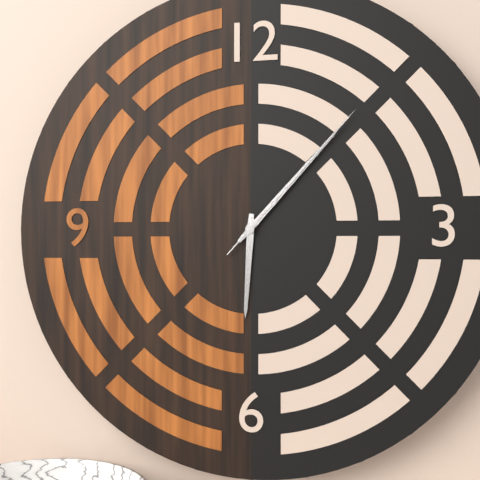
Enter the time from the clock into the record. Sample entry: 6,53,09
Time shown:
6,07,07
